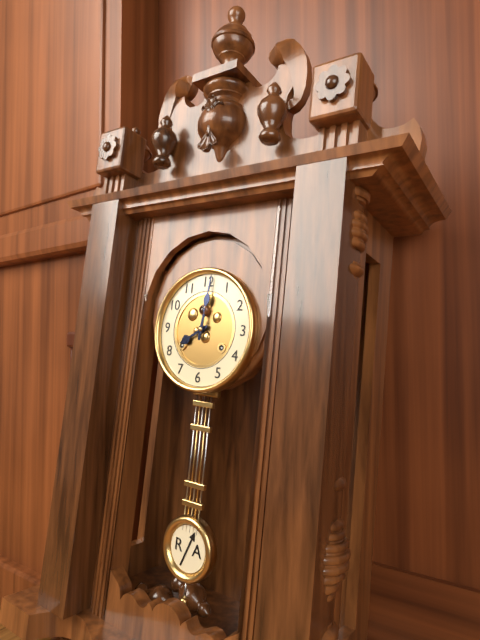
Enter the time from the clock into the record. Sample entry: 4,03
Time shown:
8,01
